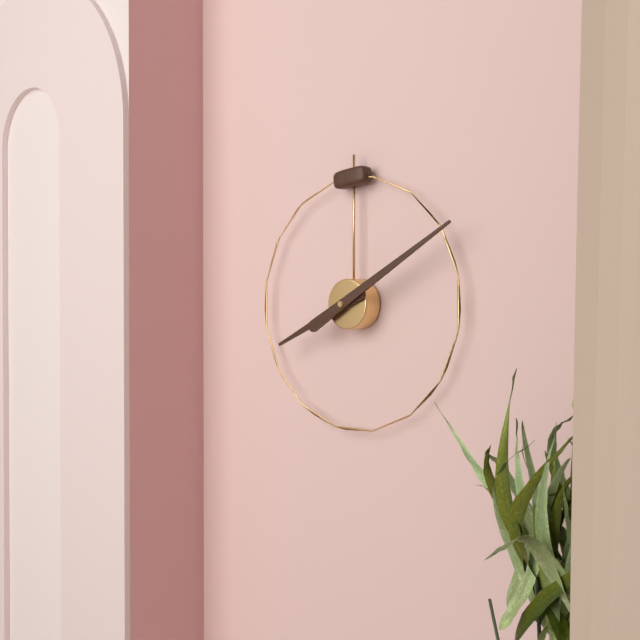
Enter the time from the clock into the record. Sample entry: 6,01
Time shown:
8,10
